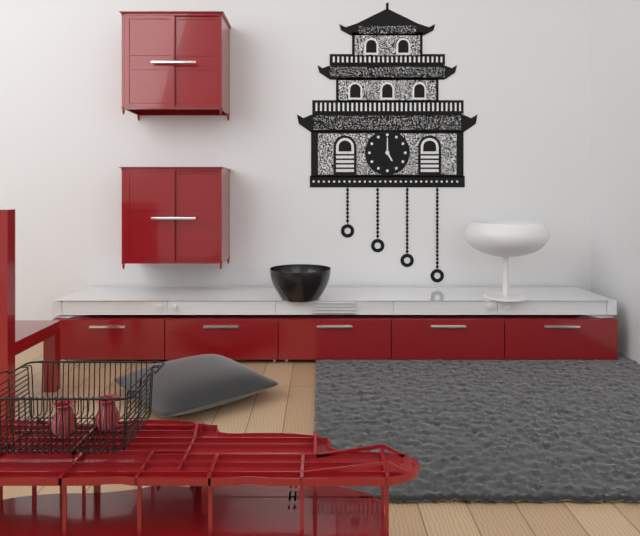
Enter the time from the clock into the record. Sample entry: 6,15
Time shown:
5,00
